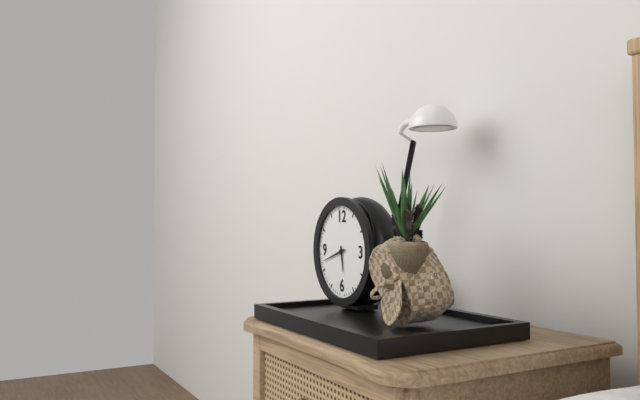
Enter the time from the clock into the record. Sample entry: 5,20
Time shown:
5,42
